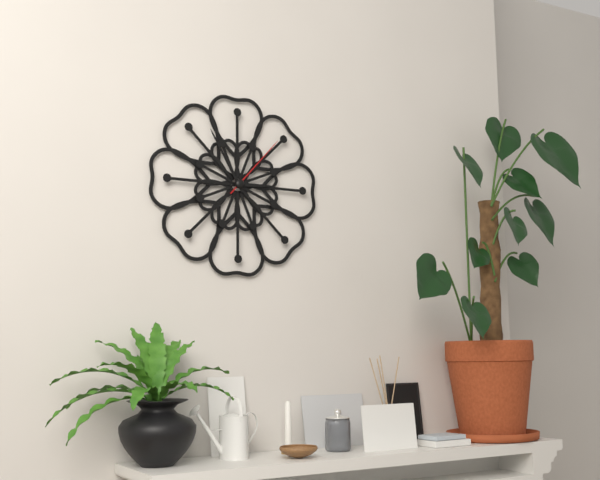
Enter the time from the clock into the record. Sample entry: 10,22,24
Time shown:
2,55,07
